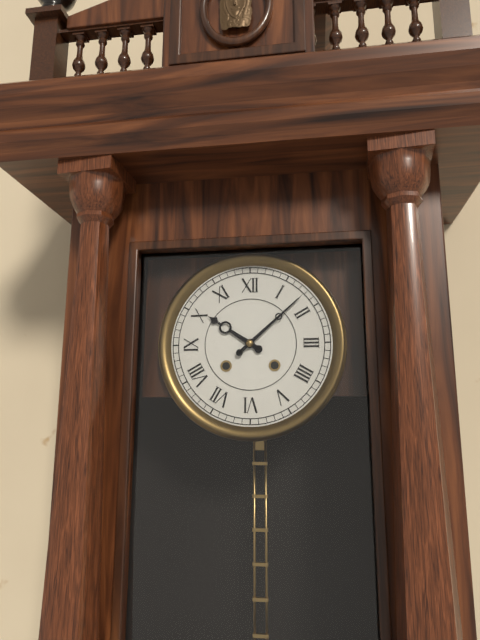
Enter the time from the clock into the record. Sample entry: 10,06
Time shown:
10,08
